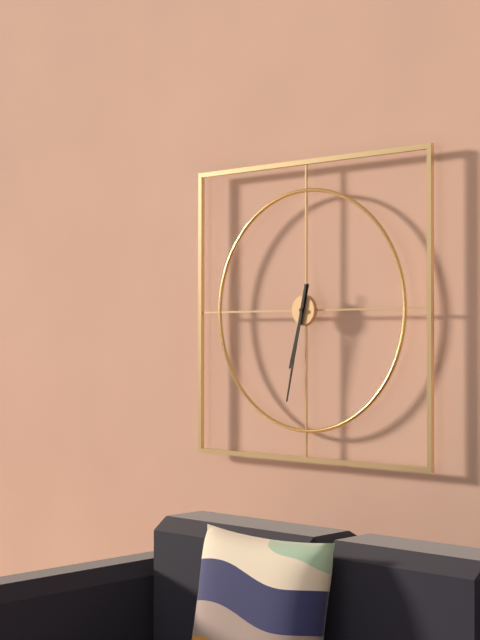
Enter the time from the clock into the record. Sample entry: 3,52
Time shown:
6,32
